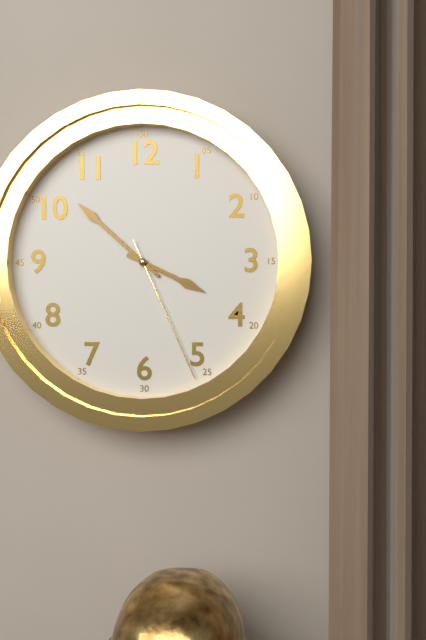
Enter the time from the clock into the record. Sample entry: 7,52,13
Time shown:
3,52,26
